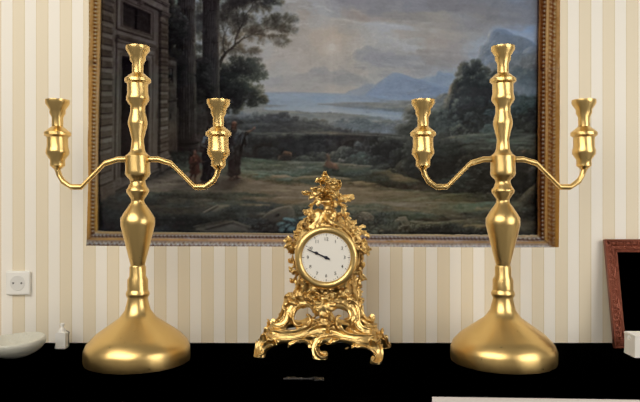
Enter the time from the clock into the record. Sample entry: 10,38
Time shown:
9,49
